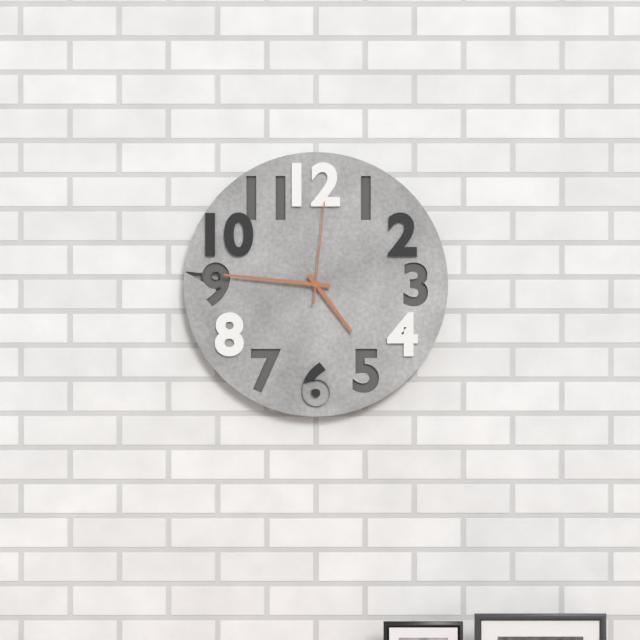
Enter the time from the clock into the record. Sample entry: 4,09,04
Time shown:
4,46,01
